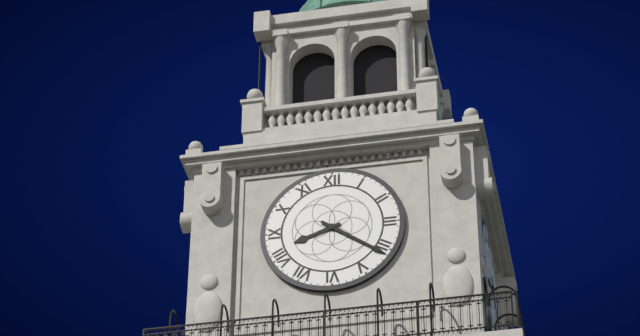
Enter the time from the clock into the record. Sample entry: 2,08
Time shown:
8,21
